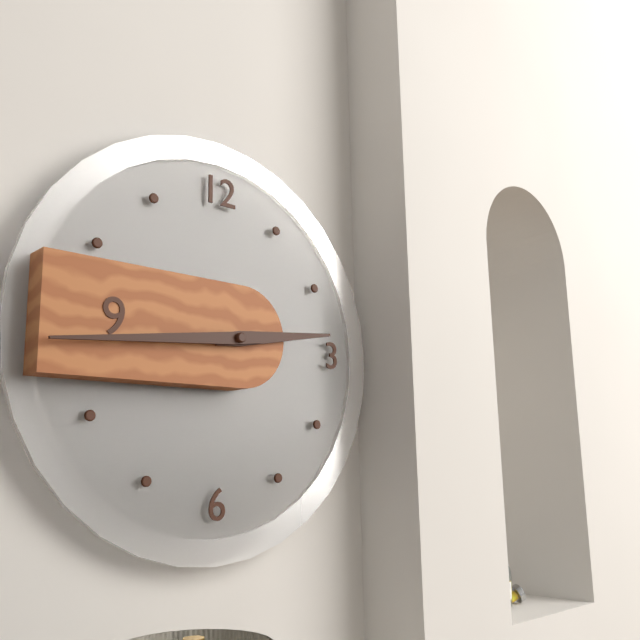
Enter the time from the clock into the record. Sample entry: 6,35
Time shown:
2,44
